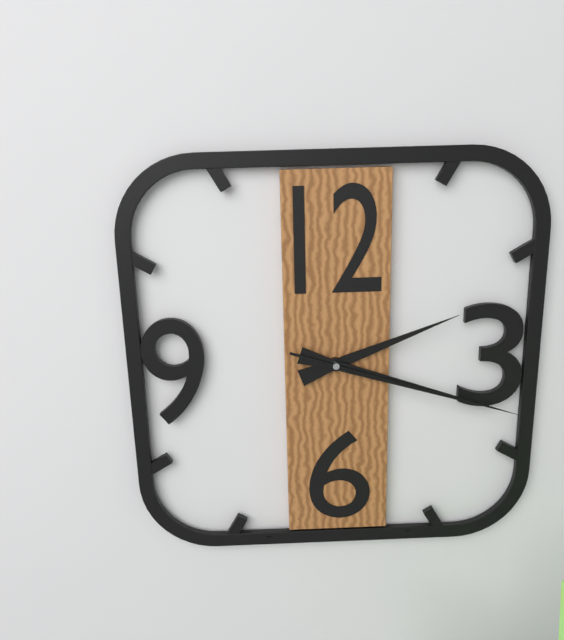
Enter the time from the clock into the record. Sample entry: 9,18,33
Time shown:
2,18,18
